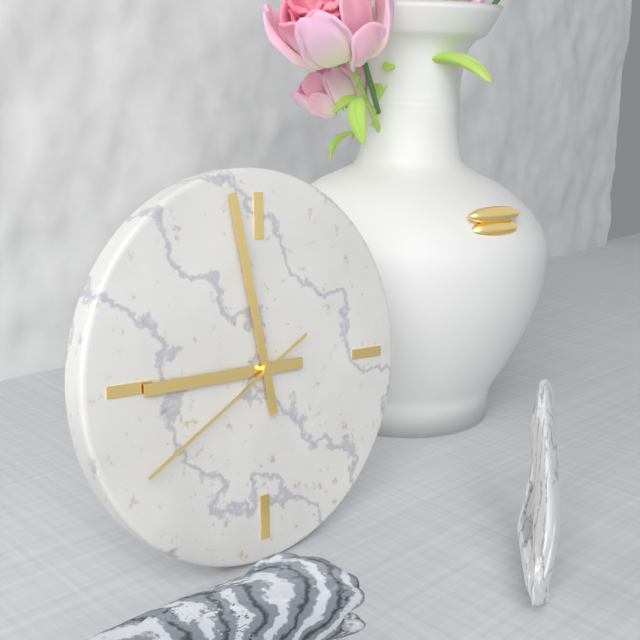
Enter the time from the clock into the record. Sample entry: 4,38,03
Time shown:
8,58,40
